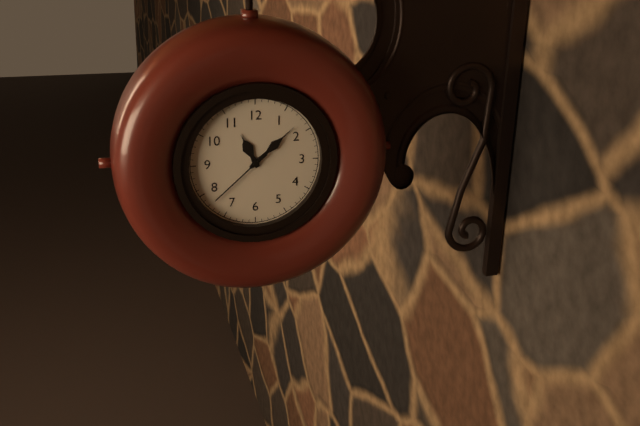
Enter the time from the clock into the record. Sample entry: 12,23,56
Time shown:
11,08,38
